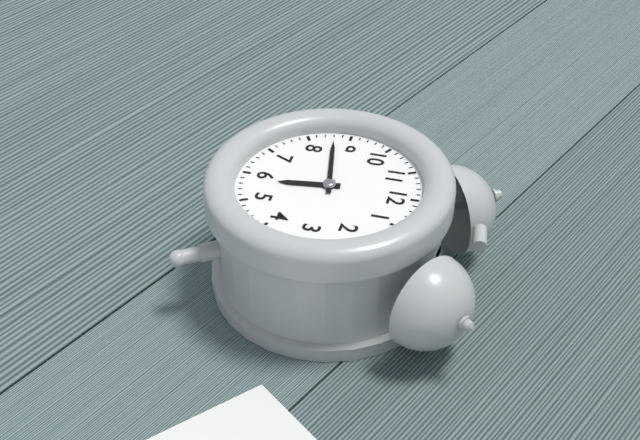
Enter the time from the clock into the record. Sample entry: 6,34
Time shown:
5,43
